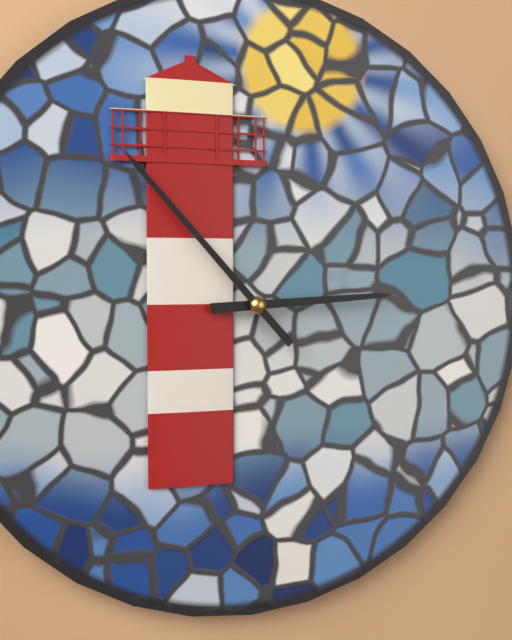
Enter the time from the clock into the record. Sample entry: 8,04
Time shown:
2,53
